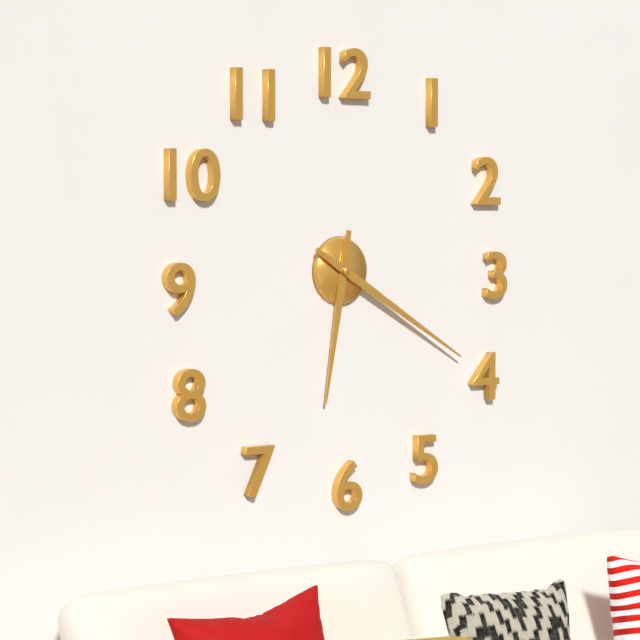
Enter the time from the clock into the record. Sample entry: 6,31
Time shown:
6,20
